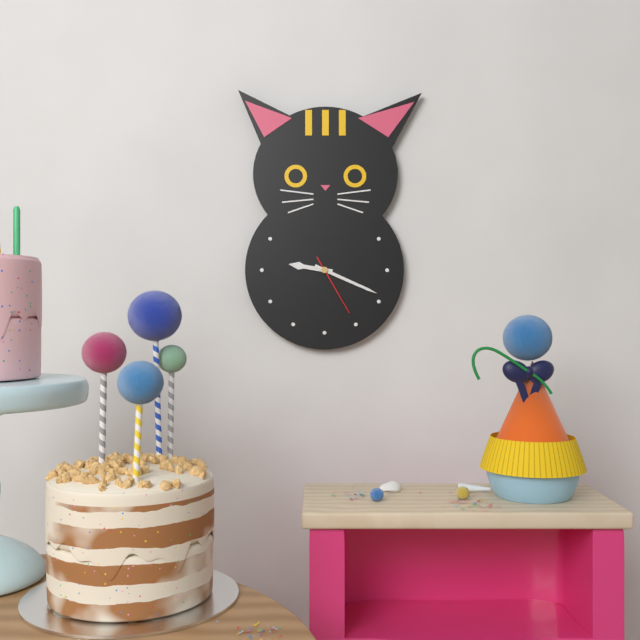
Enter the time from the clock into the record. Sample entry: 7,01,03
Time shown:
9,19,25
